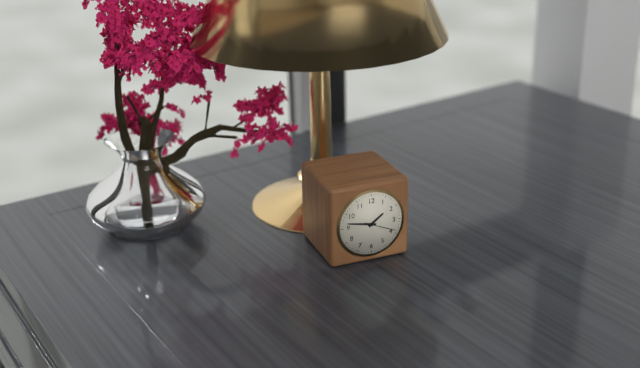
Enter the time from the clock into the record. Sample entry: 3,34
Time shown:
1,47
